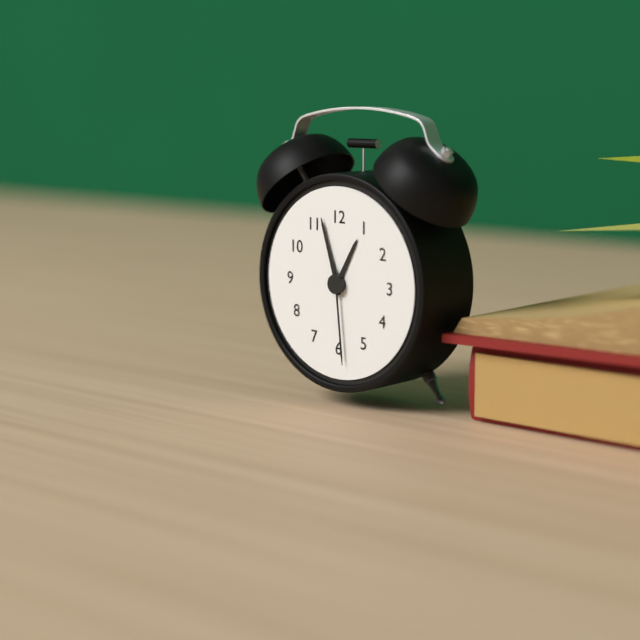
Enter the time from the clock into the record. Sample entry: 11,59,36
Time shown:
12,57,29
